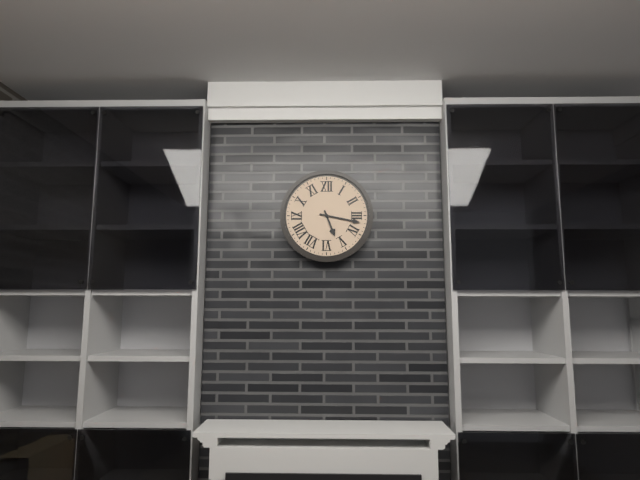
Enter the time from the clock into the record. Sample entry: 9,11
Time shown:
5,17
